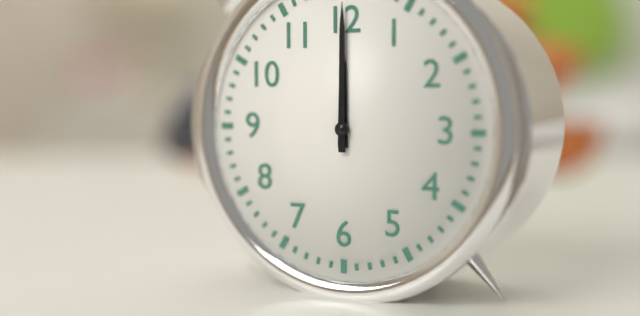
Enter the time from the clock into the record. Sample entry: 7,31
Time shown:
12,00
